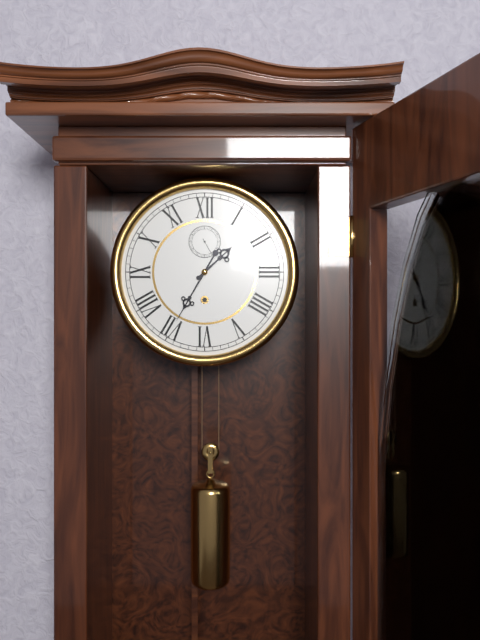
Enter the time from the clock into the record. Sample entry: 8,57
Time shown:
1,35
